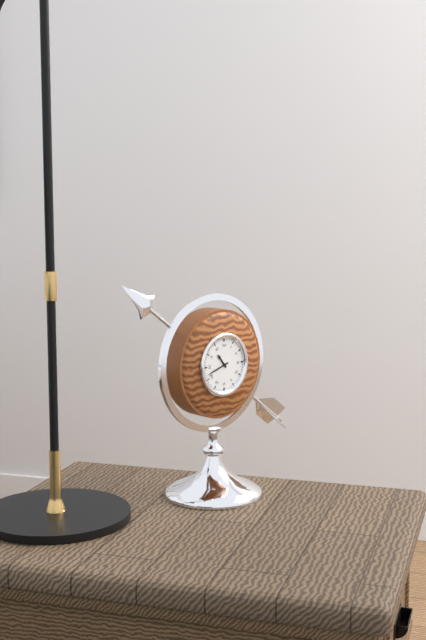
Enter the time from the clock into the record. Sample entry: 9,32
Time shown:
10,42
